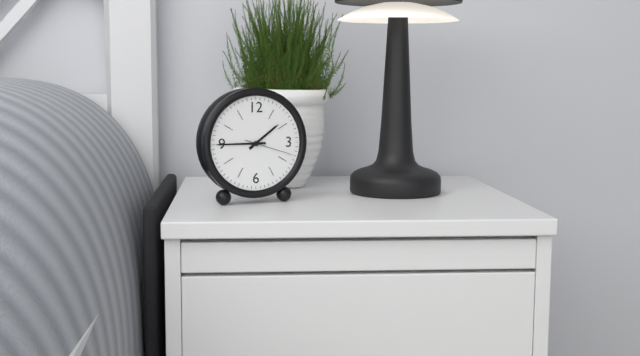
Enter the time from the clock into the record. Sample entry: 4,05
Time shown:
1,45
